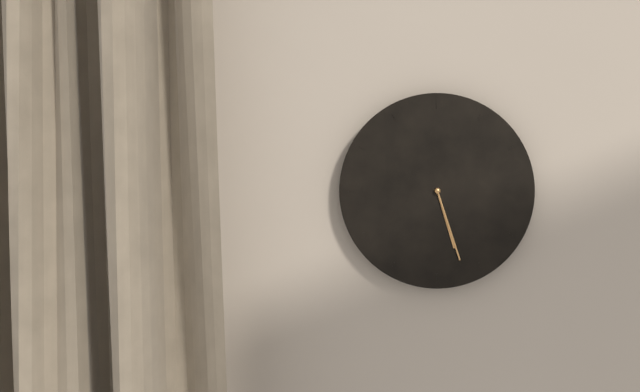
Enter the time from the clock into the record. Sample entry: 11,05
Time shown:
5,27
